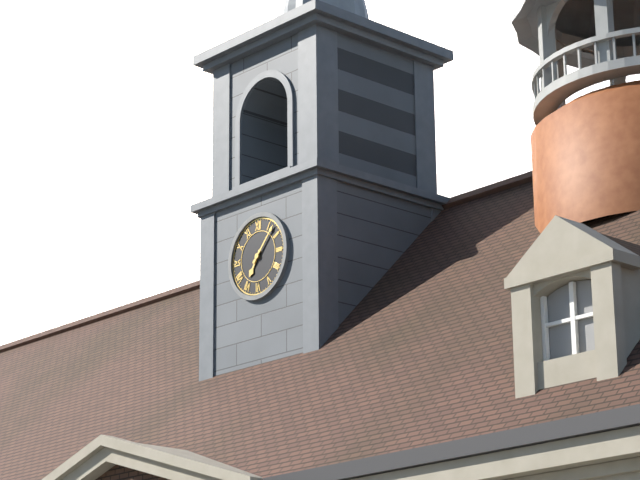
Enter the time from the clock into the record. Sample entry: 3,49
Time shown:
7,07
